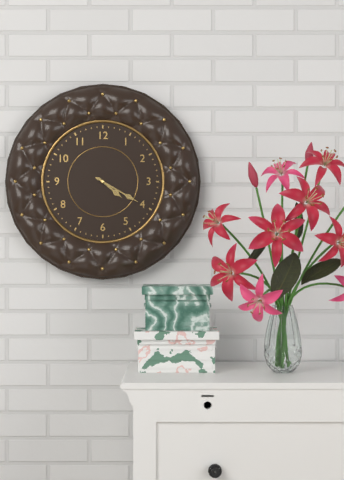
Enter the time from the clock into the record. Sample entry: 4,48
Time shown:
4,20
